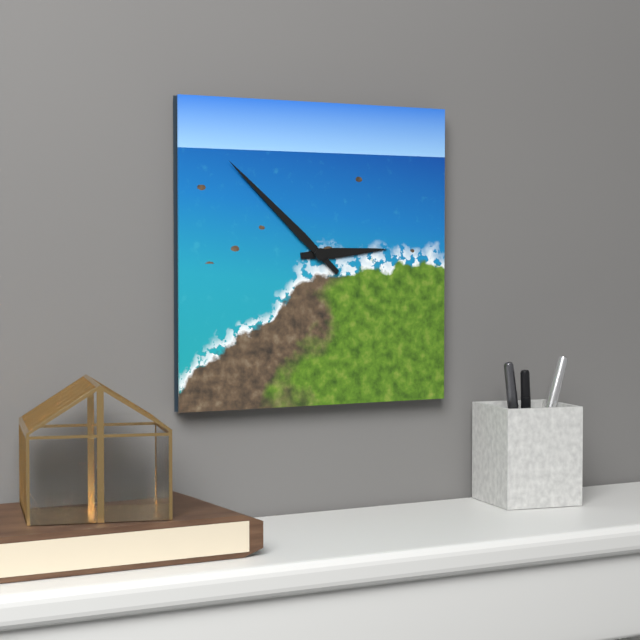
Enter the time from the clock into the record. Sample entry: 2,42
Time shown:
2,52
